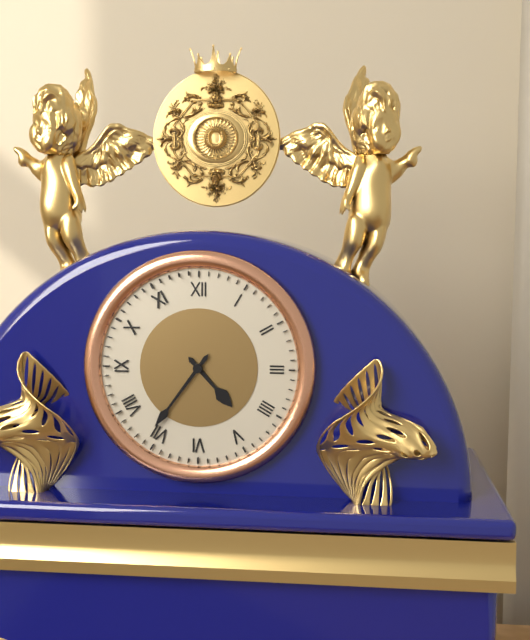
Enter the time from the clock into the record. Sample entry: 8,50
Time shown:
4,36
